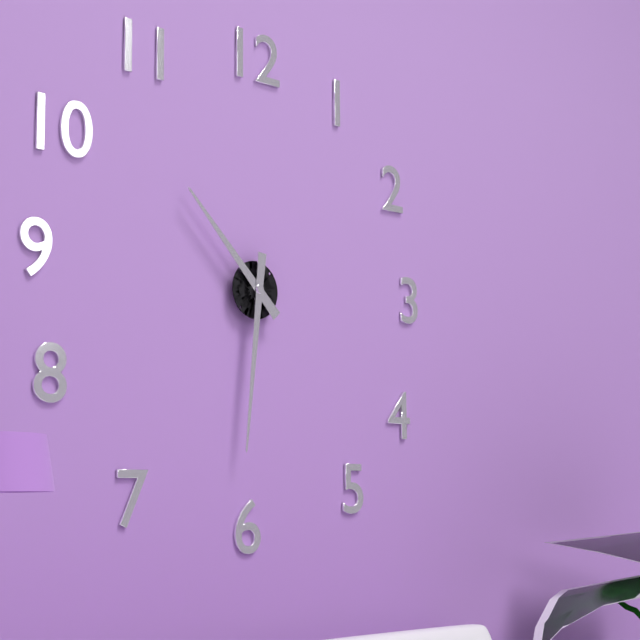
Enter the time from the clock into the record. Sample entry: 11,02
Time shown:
10,31
